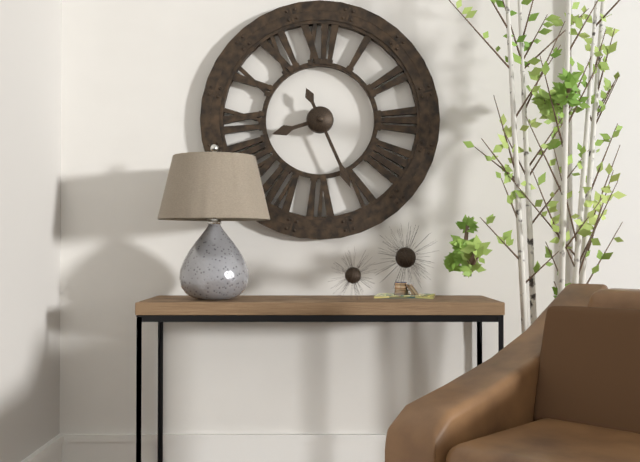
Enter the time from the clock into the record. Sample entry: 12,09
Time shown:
8,26
